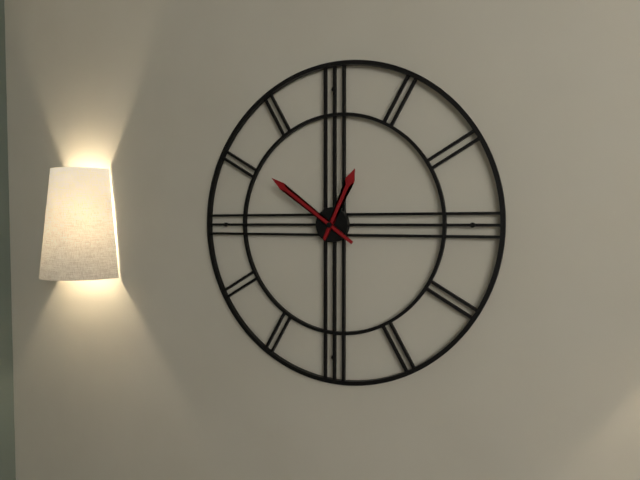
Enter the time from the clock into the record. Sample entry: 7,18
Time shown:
12,51
